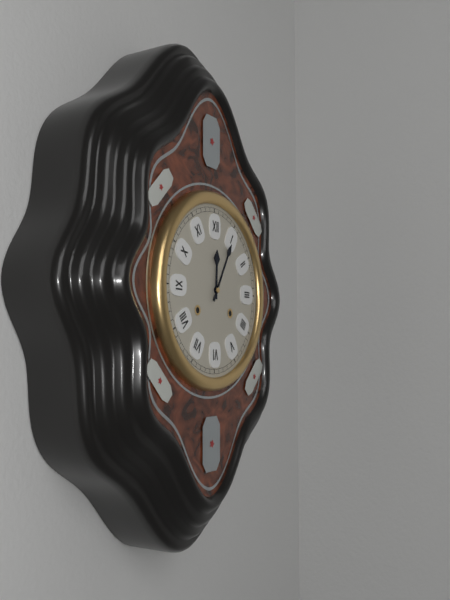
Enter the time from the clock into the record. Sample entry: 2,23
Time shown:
12,05
